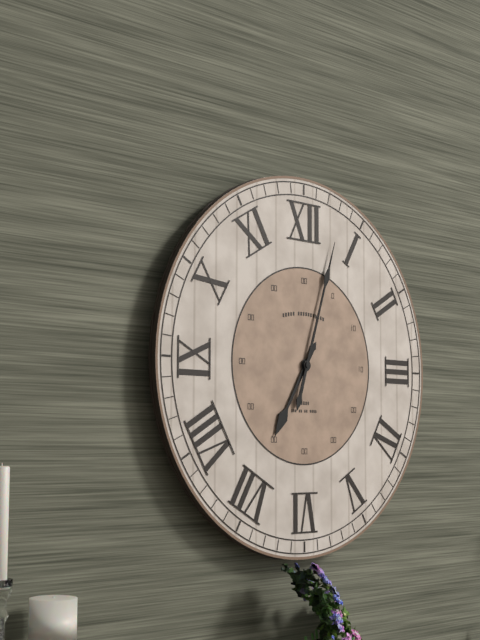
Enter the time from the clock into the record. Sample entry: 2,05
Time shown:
7,03
